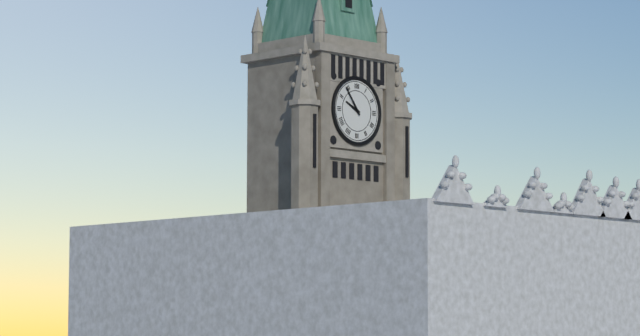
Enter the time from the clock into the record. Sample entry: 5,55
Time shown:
9,54
